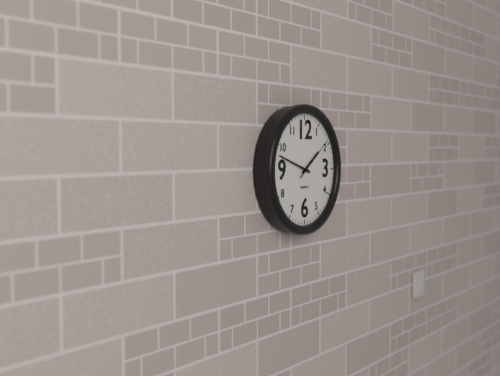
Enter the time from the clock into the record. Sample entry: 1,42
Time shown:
1,48
